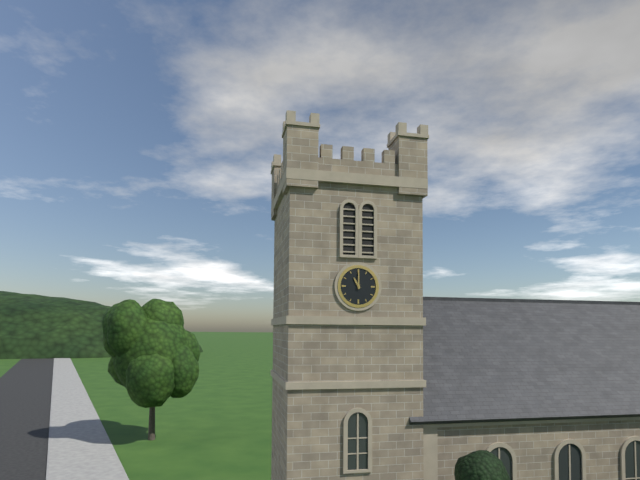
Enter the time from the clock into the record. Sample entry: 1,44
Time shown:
11,00
